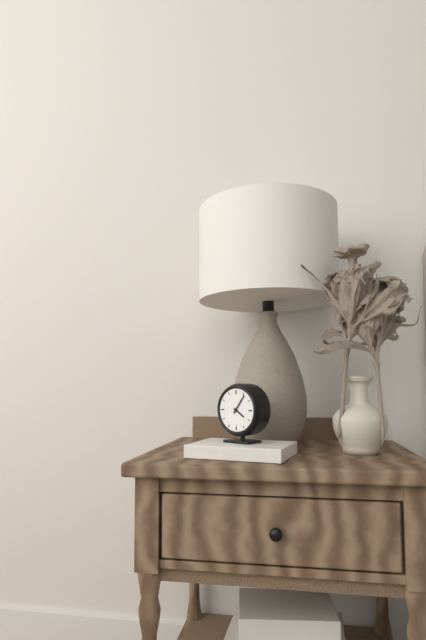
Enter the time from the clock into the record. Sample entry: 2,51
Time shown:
4,06
